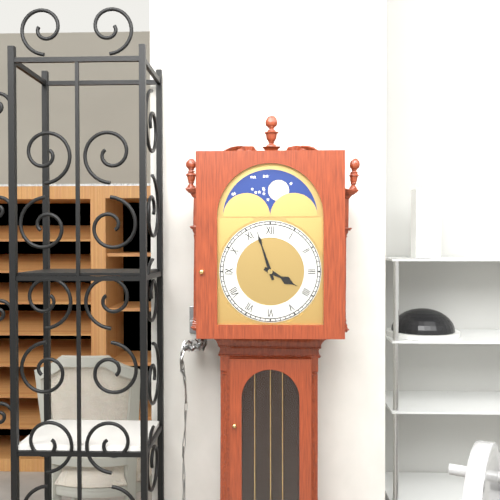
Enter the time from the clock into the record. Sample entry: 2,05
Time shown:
3,57
